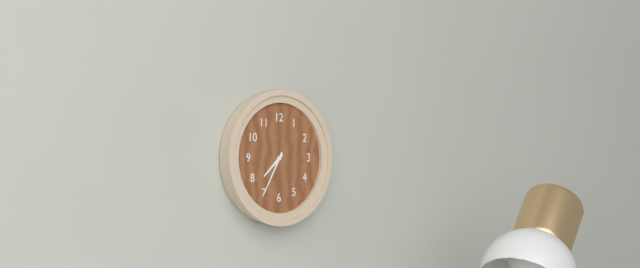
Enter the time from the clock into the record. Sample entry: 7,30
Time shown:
7,35
